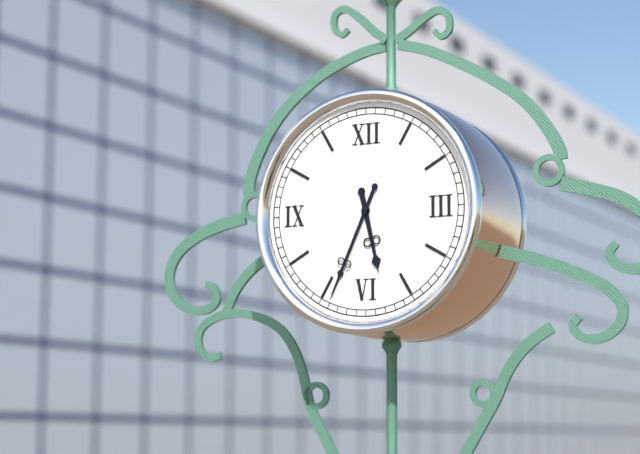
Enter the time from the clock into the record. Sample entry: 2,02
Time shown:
5,34
